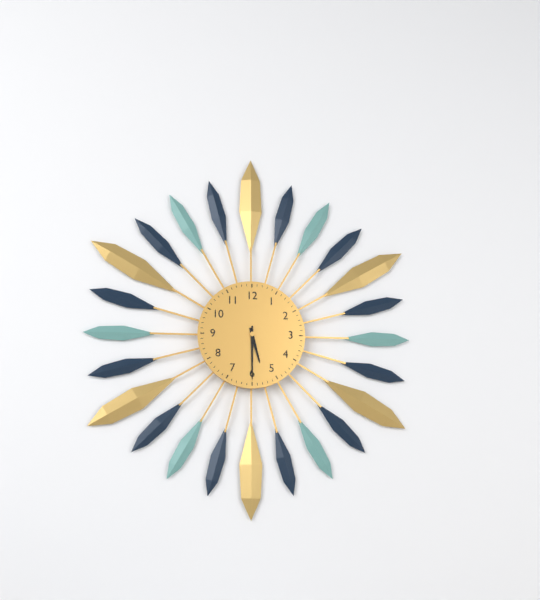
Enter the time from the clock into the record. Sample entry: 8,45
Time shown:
5,30
